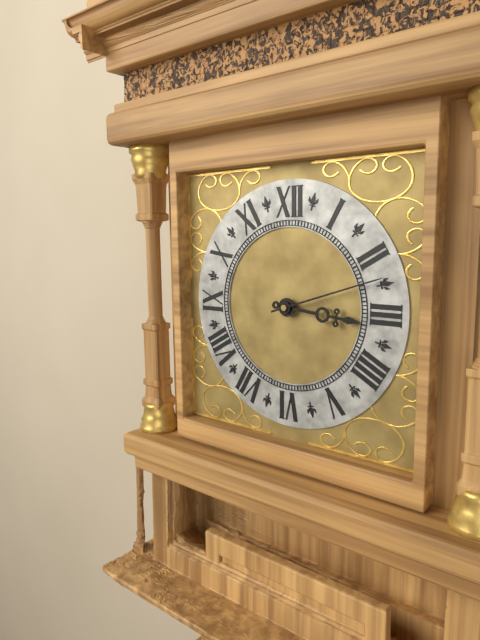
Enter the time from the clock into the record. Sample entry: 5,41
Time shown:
3,12
